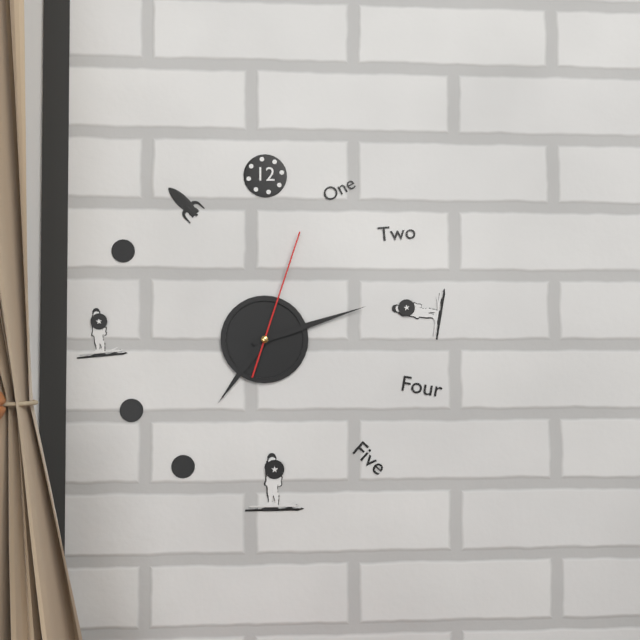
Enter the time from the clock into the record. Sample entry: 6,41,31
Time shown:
7,12,03
